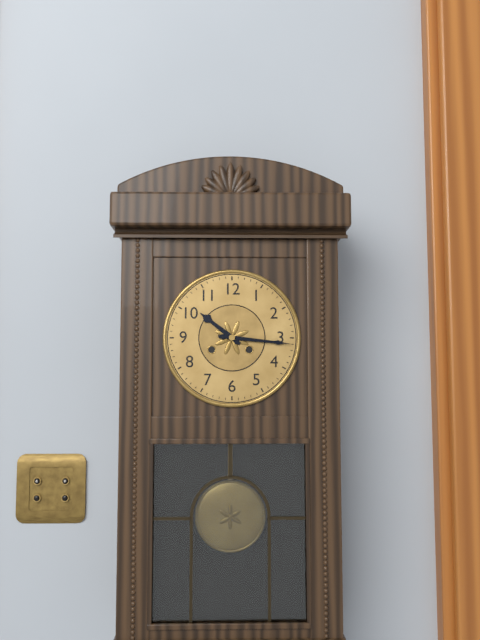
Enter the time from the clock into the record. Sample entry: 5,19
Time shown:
10,16
